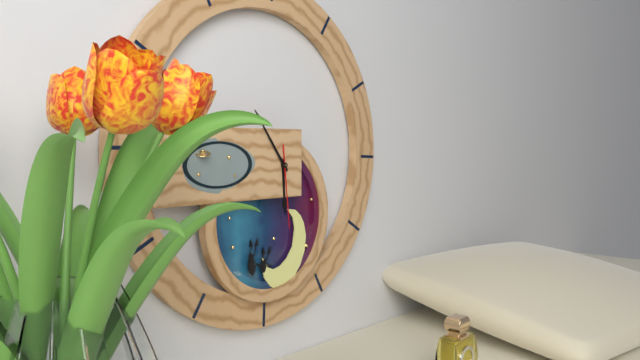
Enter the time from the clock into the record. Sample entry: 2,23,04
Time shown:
5,54,29
